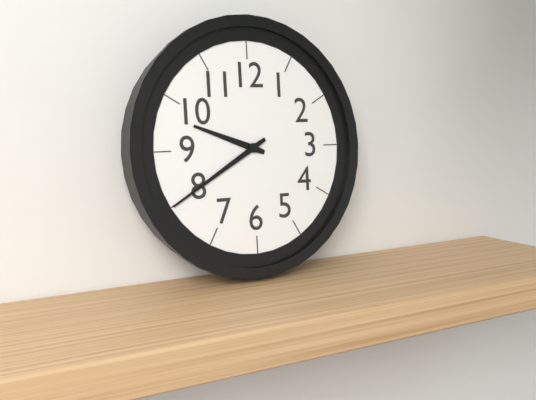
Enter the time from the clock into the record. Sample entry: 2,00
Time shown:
9,40
